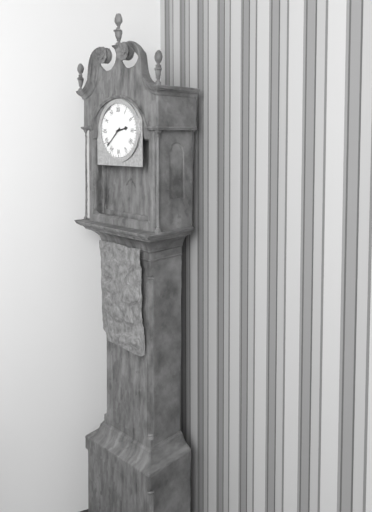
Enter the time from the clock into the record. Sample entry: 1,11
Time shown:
2,38
